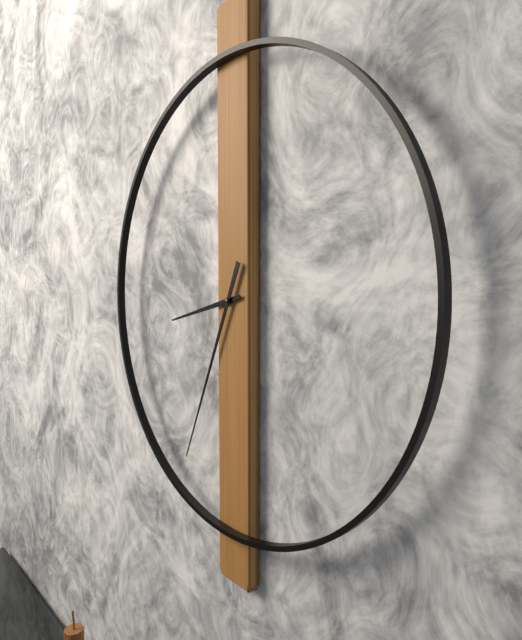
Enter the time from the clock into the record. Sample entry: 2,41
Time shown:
8,34
